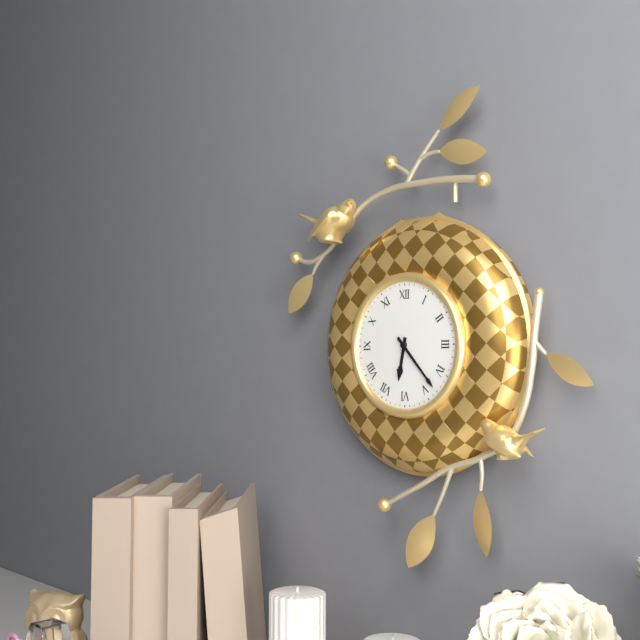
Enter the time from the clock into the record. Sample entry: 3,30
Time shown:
6,23
